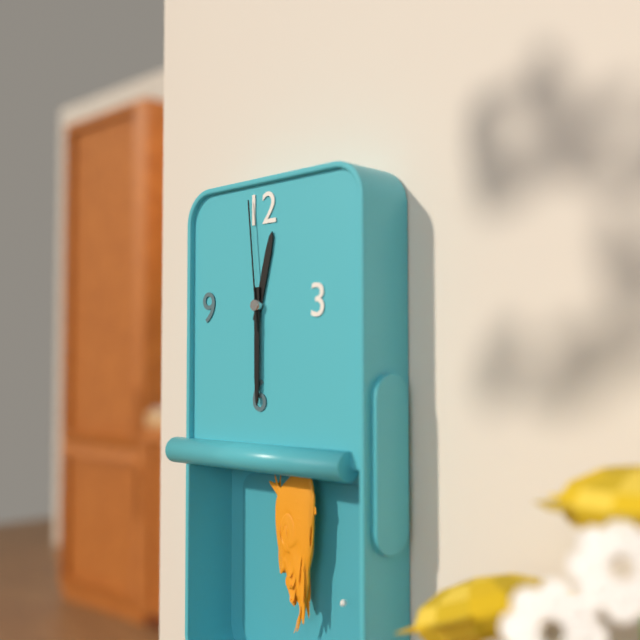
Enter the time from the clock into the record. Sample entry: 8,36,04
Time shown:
12,30,59
